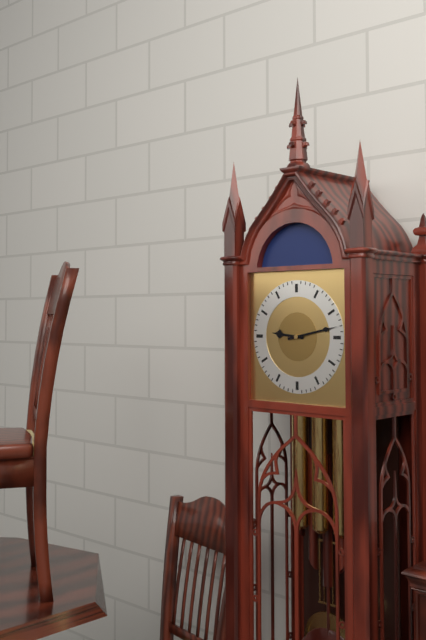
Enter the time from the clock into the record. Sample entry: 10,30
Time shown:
9,13
